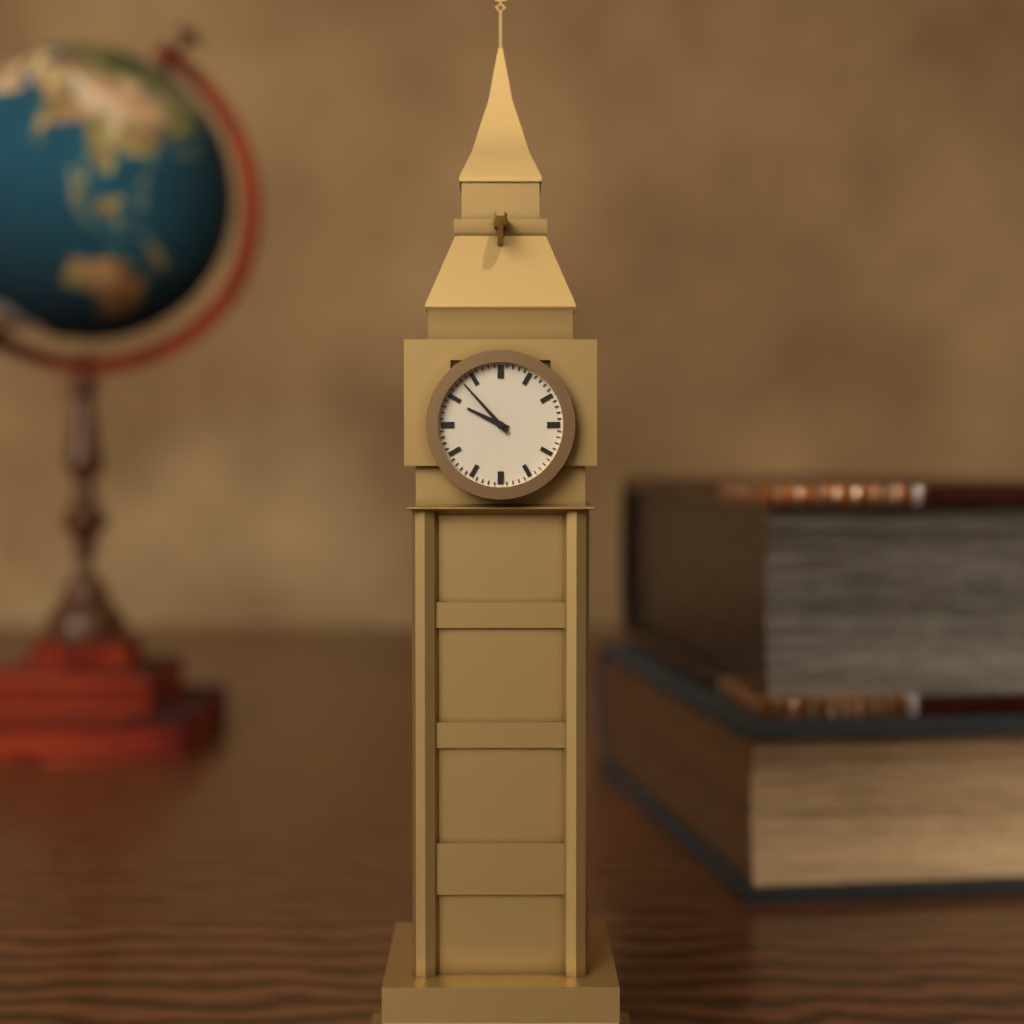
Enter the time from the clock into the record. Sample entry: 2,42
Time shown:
9,53
